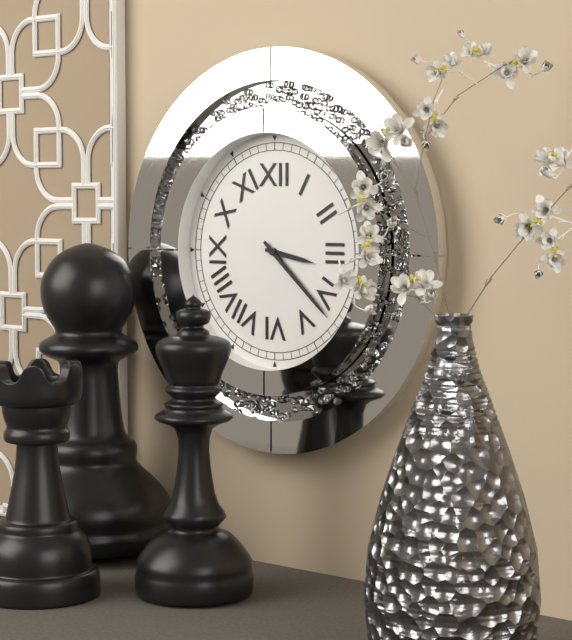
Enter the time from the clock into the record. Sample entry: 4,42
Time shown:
3,22
